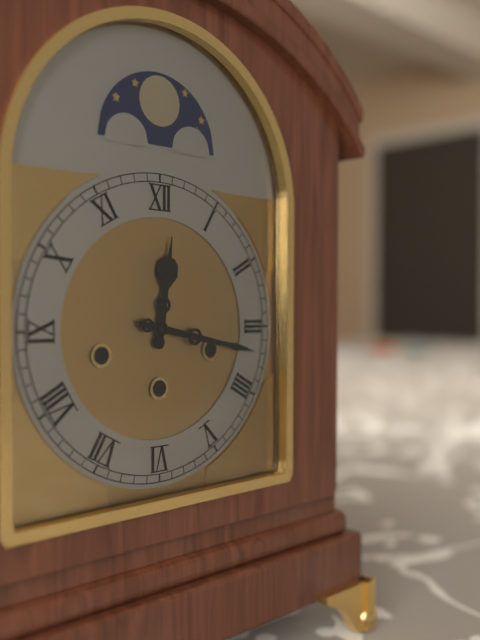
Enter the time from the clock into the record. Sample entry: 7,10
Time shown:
12,17
